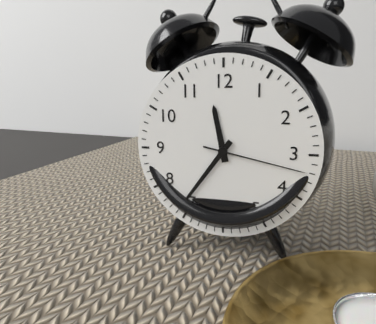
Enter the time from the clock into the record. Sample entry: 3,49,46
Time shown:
11,36,17
